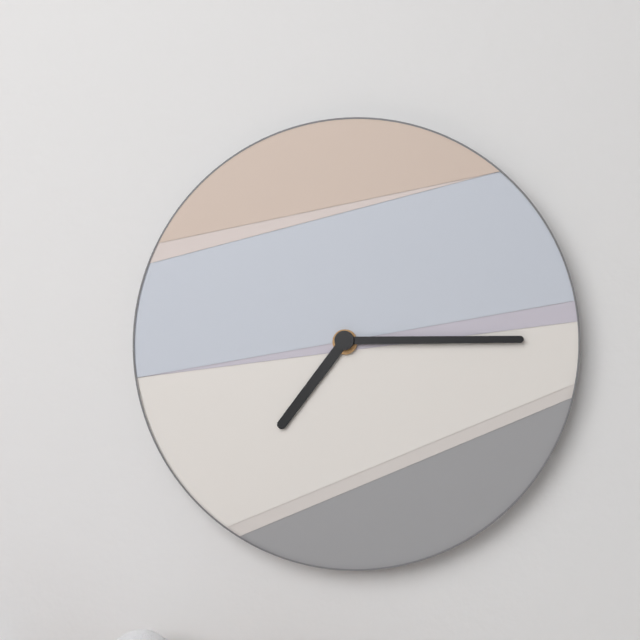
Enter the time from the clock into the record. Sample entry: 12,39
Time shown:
7,15
